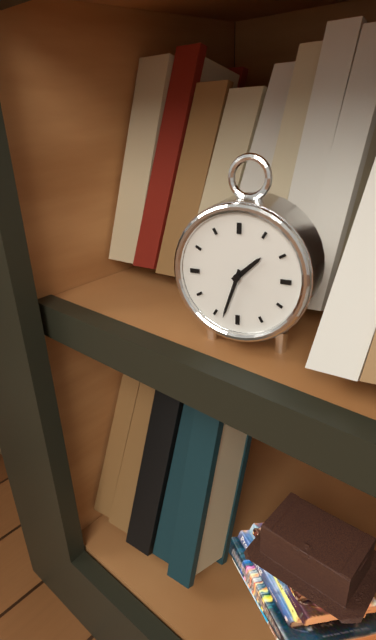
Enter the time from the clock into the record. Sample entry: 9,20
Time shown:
1,33
